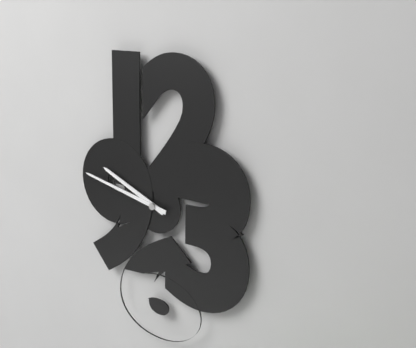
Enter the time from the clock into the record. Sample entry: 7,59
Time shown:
9,47
